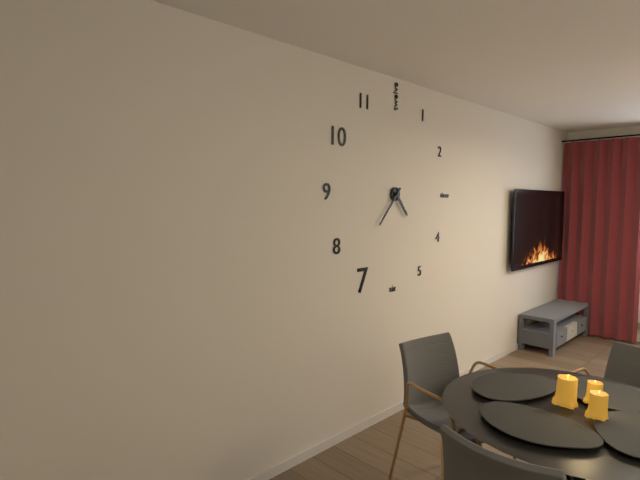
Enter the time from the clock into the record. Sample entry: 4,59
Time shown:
4,37
